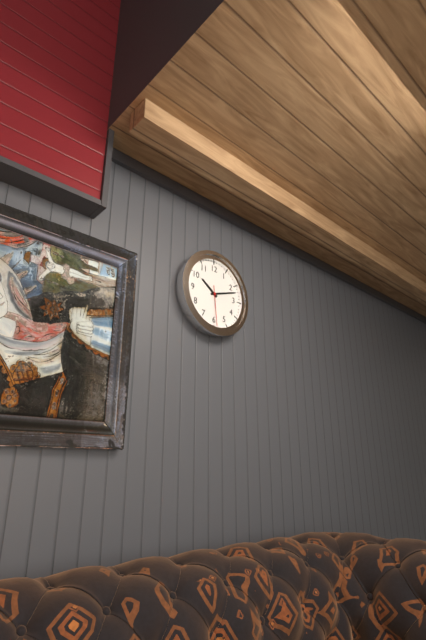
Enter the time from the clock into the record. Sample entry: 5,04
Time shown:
10,12
